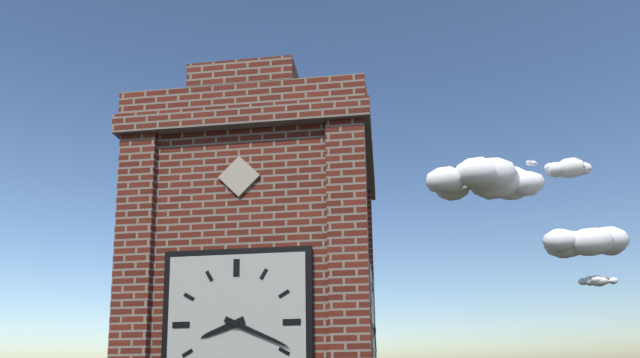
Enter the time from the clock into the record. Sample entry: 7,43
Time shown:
8,19
